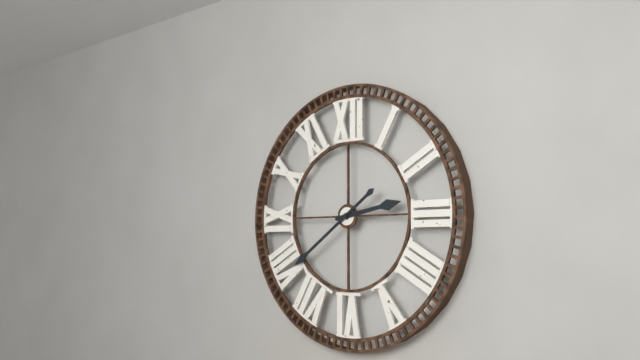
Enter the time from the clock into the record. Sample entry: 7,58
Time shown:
2,39
